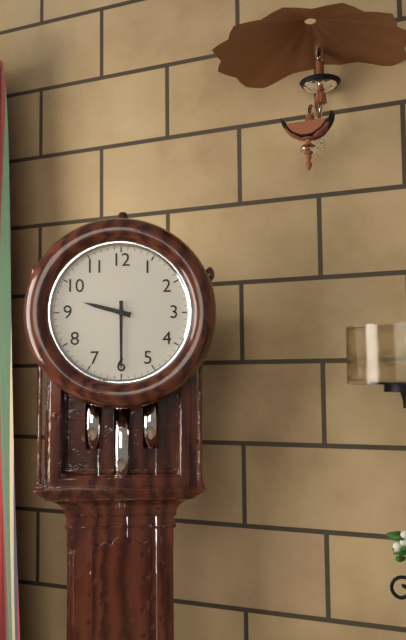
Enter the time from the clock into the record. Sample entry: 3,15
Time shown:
9,30
